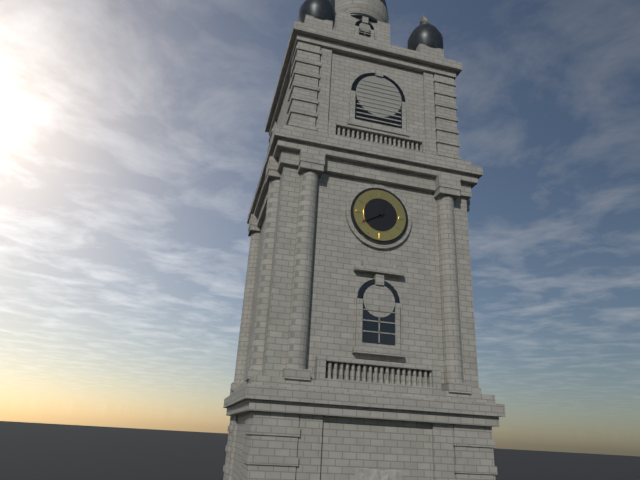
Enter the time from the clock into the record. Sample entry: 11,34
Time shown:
12,40
